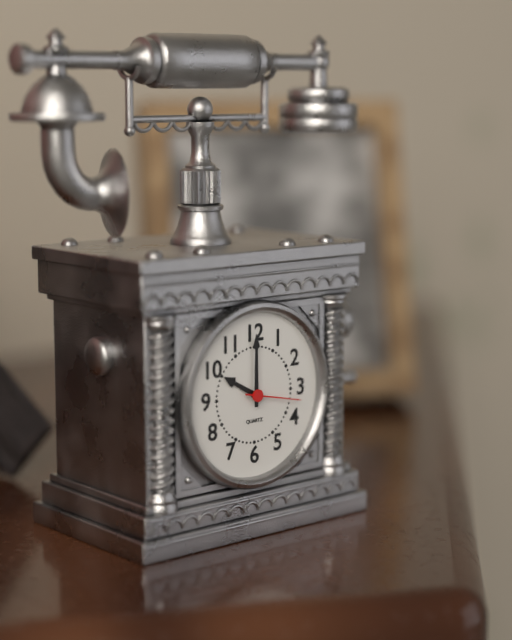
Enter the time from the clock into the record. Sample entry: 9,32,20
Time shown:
10,00,17
